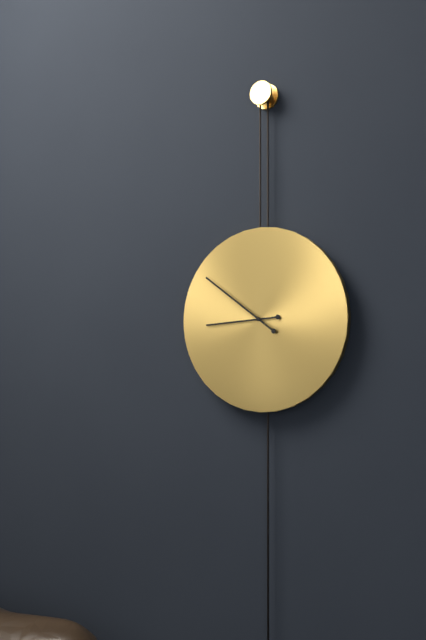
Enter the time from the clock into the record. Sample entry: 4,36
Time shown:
8,51
